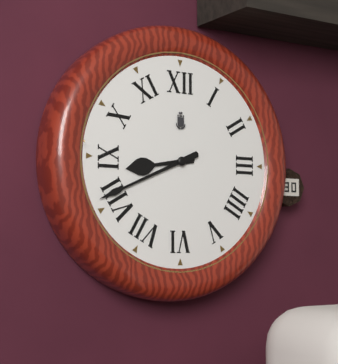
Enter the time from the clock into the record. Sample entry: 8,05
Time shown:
8,41
